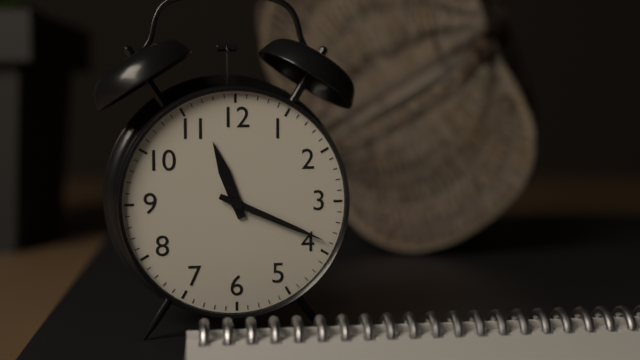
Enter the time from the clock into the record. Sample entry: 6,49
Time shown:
11,19
